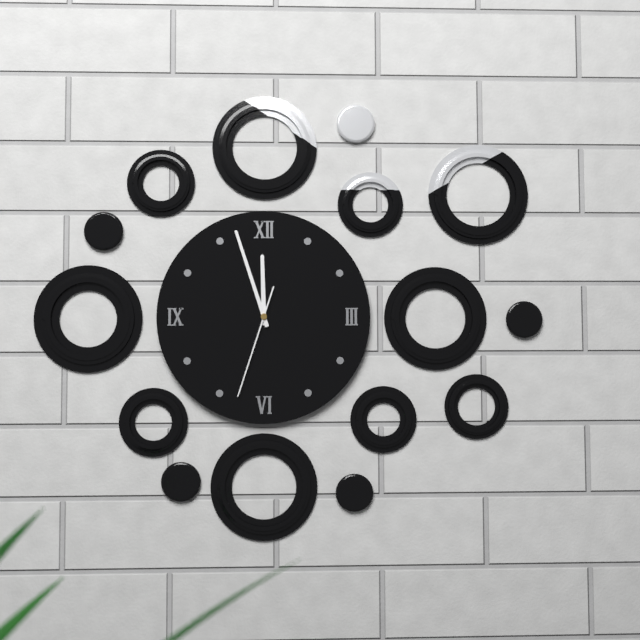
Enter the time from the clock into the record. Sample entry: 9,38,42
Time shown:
11,57,33
